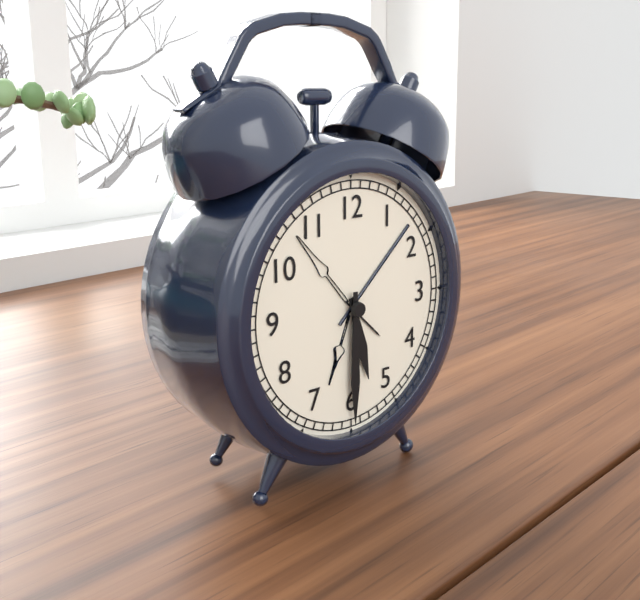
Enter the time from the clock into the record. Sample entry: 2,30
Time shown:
5,30
